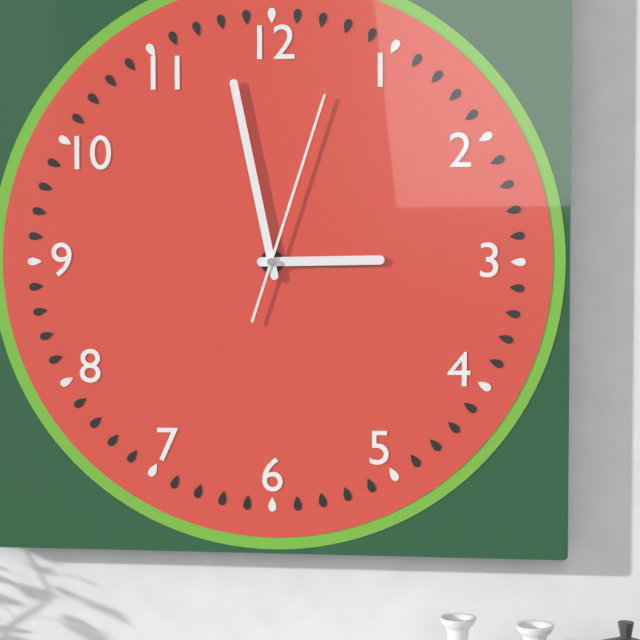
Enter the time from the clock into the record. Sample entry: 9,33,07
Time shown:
2,58,03
